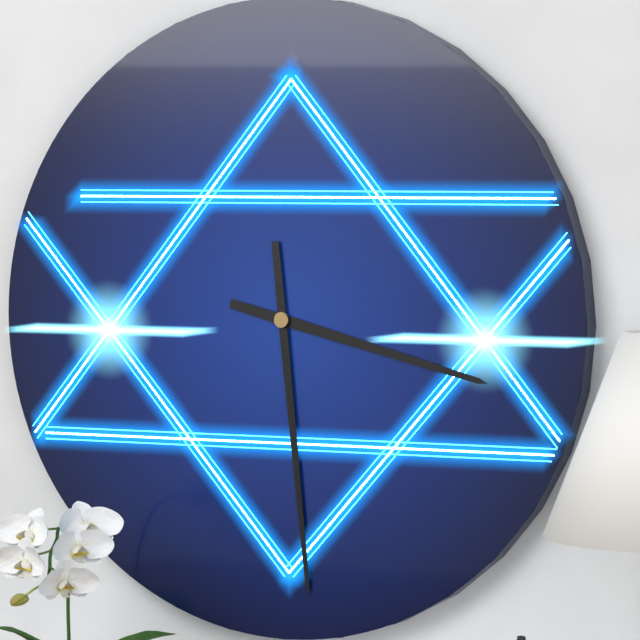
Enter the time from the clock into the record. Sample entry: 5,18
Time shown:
3,29
